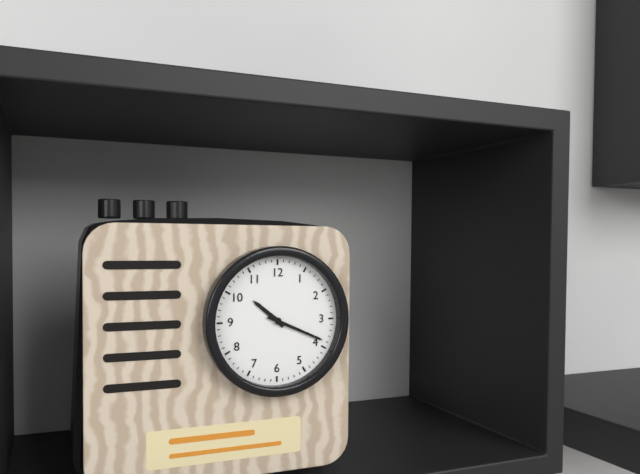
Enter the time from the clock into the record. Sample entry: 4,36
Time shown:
10,19
